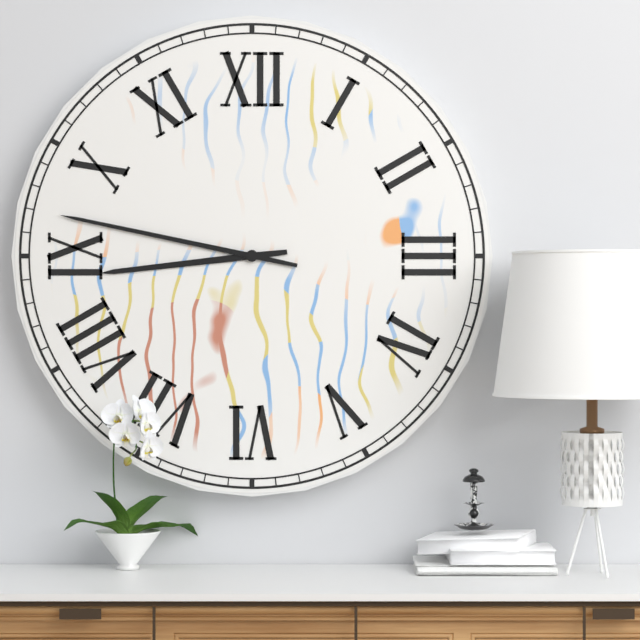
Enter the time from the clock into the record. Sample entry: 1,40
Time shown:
8,47
